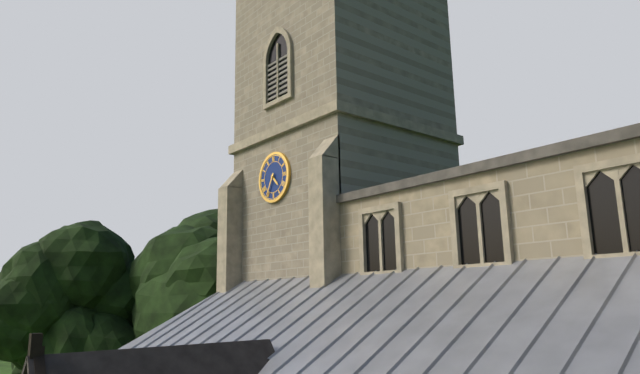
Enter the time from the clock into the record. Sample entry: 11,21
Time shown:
4,35
